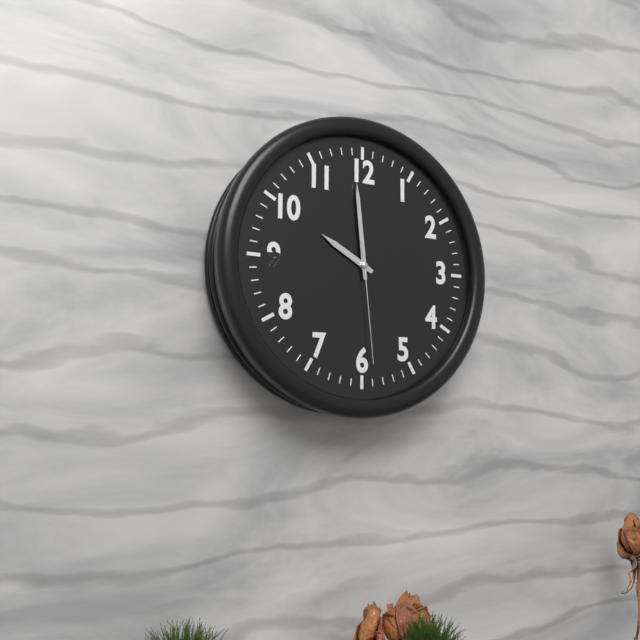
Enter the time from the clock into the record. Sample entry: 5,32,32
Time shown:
9,59,29
